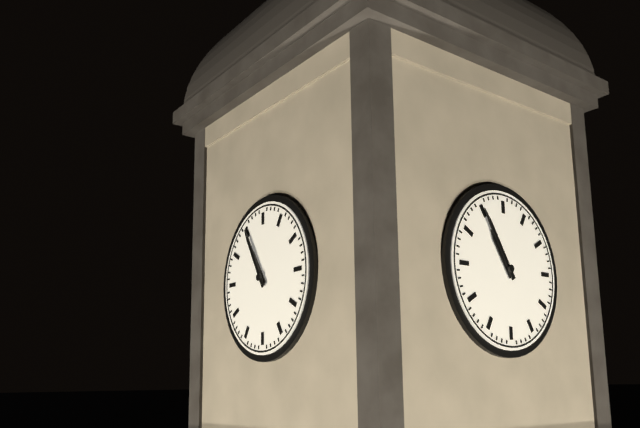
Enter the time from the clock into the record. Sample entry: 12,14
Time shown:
10,55
